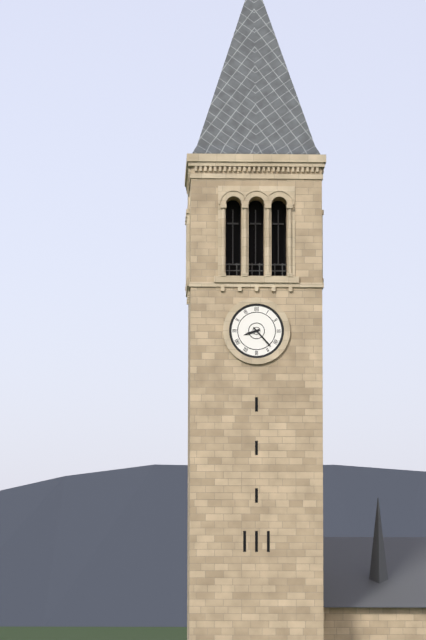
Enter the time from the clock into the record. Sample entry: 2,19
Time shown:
8,23
